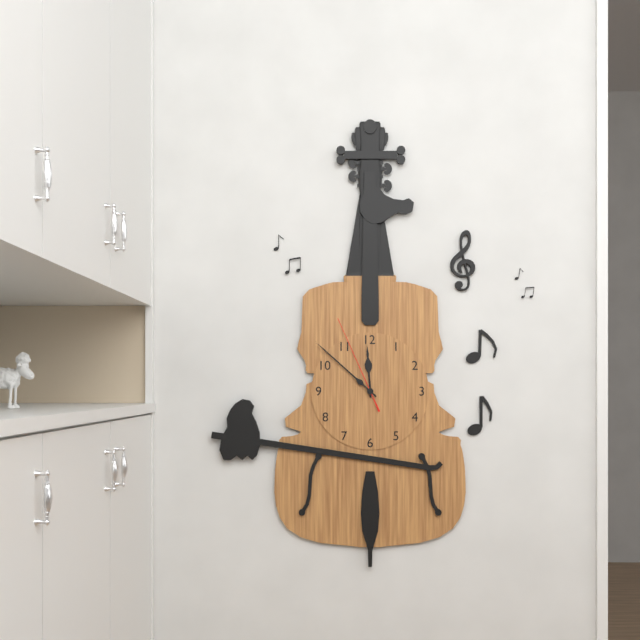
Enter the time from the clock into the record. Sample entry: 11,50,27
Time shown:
11,52,56
